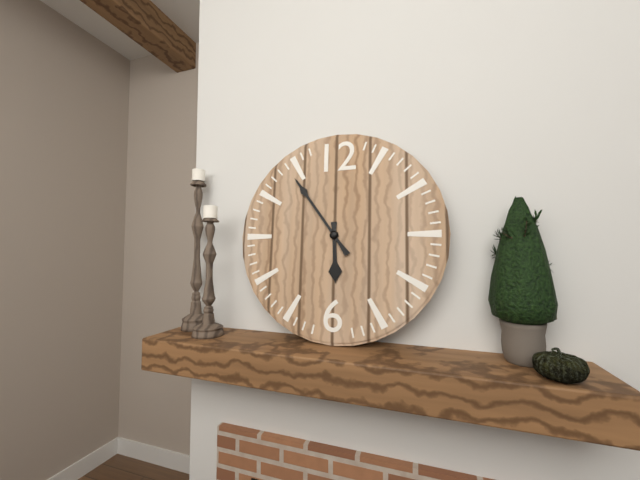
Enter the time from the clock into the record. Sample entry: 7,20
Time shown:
5,54
